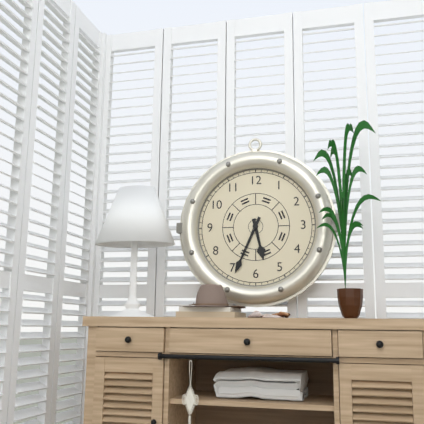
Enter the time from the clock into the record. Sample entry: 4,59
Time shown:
5,34
